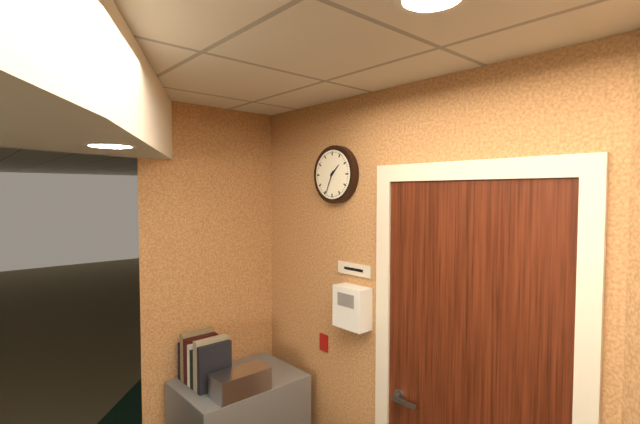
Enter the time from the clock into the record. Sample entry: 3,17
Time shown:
1,34
